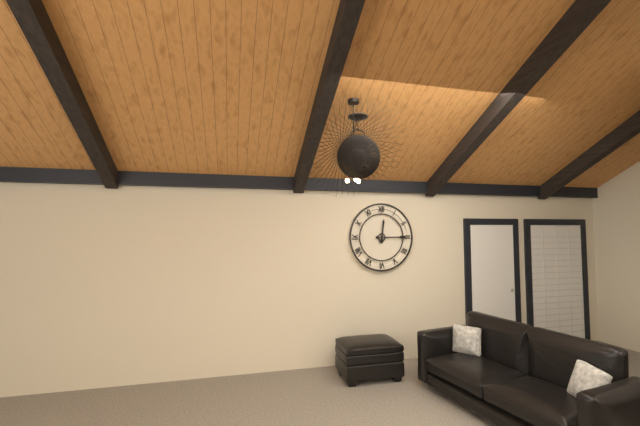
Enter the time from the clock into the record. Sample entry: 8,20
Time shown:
12,15
